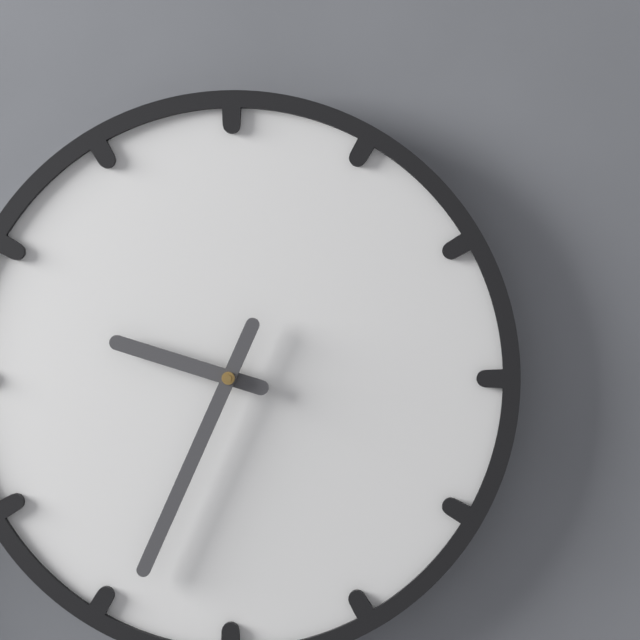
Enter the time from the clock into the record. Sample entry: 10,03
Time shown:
9,34
